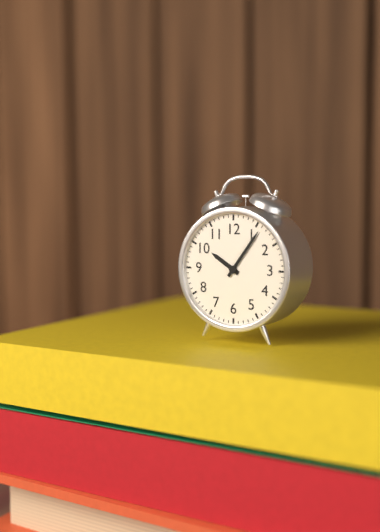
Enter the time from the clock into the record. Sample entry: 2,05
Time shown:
10,06
